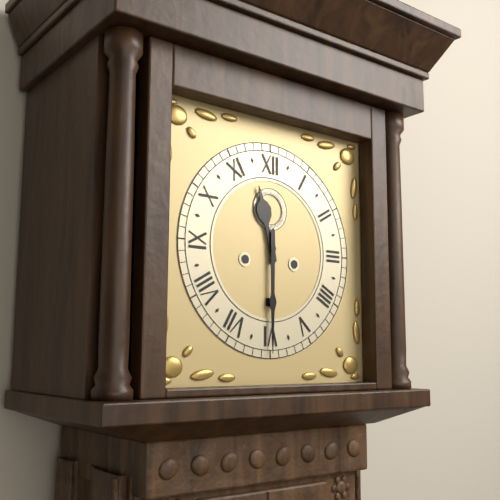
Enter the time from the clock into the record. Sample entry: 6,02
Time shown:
11,30
